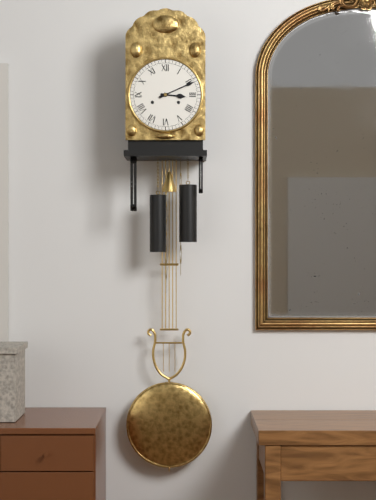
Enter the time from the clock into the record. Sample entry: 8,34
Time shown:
3,11
